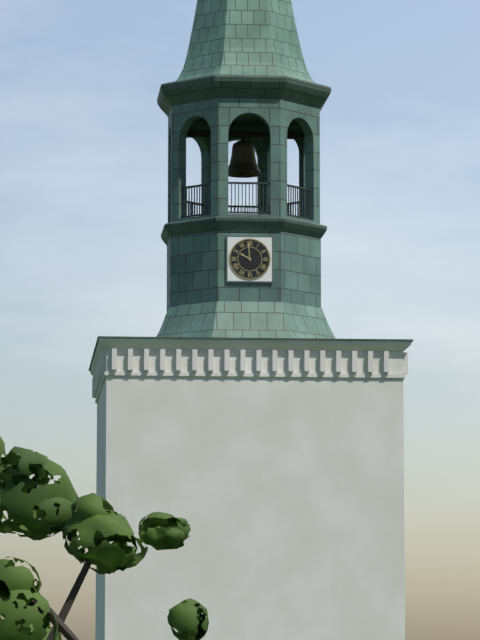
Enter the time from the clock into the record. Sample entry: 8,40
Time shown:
9,59
